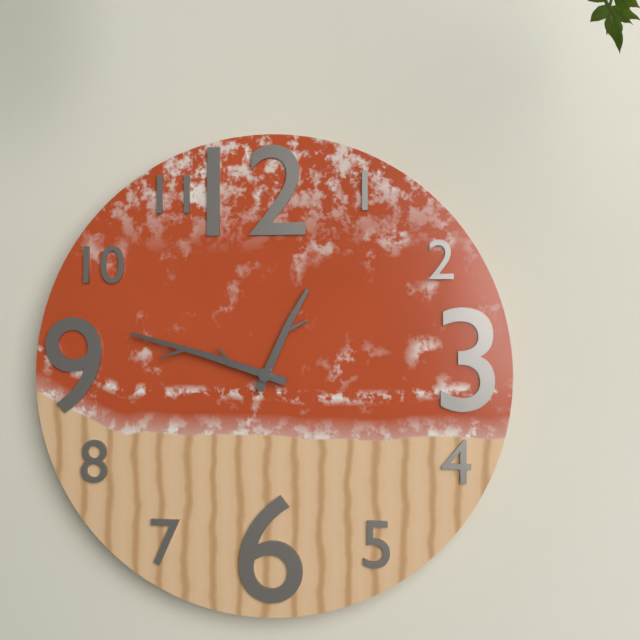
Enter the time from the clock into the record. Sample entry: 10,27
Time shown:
12,48
